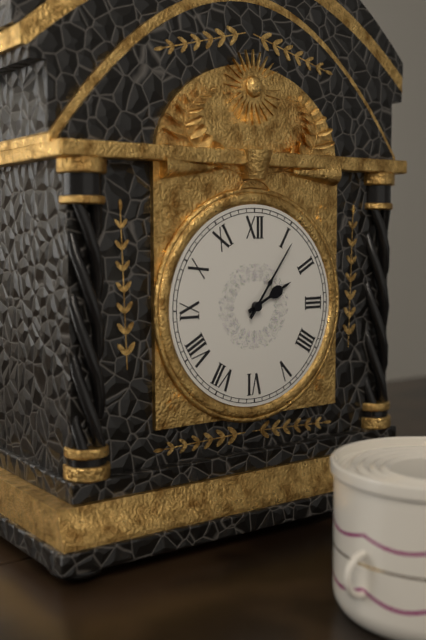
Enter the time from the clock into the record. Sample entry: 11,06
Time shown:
2,06
